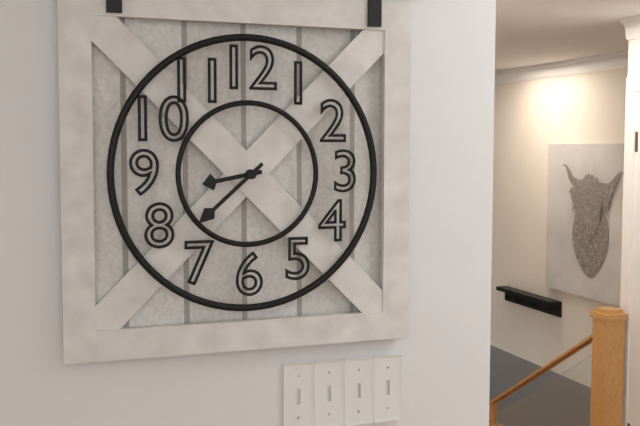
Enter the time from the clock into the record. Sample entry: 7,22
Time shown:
8,38
